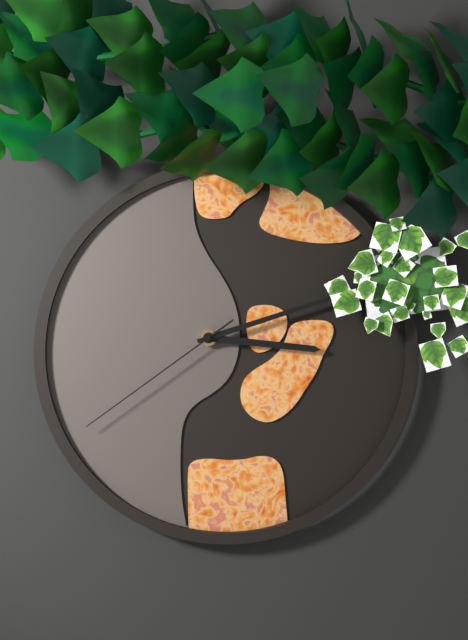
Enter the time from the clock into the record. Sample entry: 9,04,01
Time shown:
3,12,39
